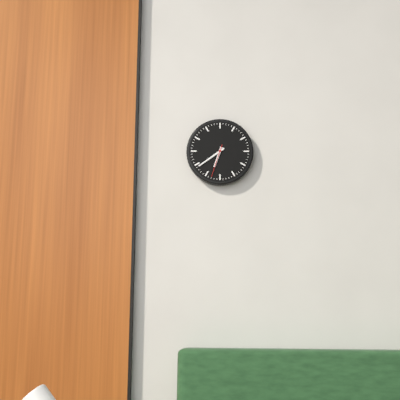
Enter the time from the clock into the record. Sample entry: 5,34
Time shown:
6,39
